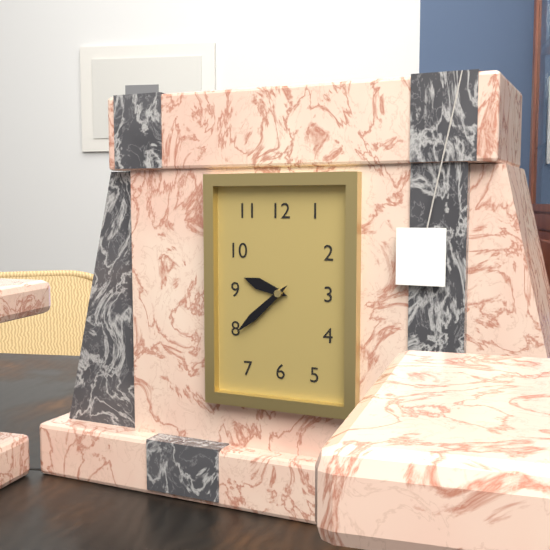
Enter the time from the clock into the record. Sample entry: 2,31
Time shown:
9,38
